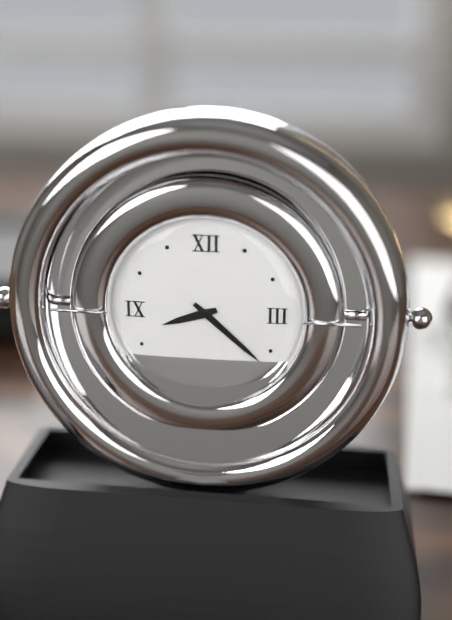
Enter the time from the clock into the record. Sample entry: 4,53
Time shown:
8,22
